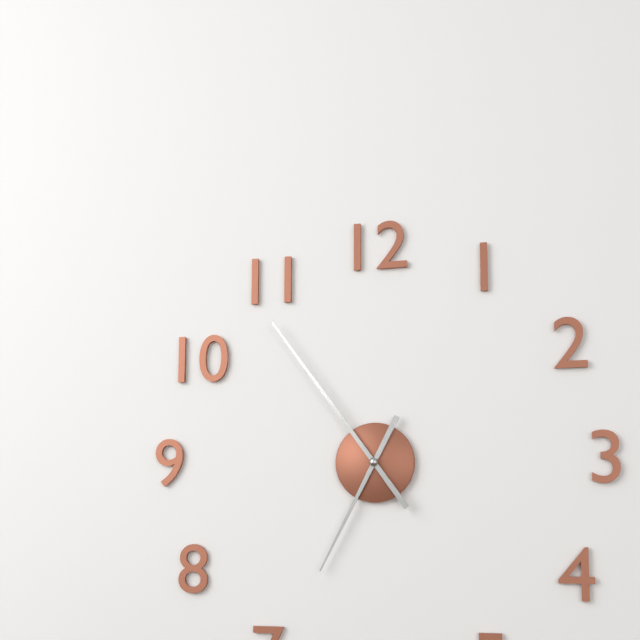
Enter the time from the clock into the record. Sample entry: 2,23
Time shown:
6,54
